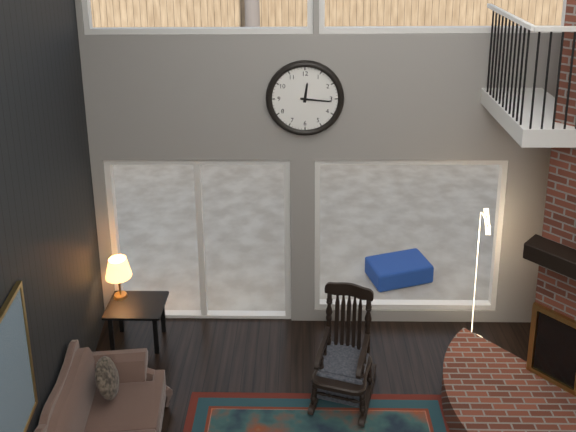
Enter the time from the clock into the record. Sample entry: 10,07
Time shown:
12,16
